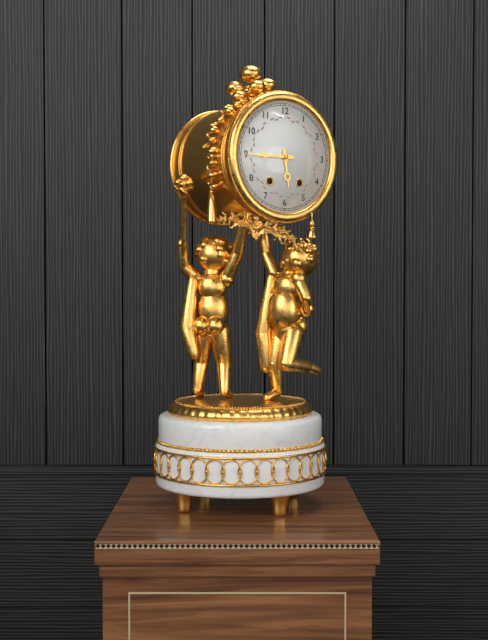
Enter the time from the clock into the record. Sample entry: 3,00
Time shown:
5,45
